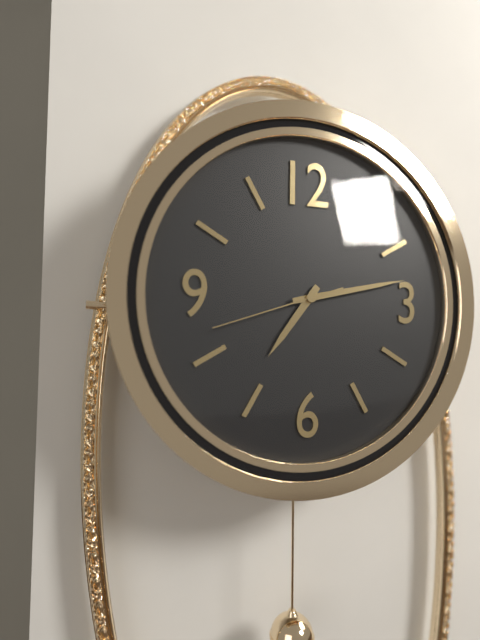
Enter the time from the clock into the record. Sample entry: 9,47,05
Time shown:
7,13,42
